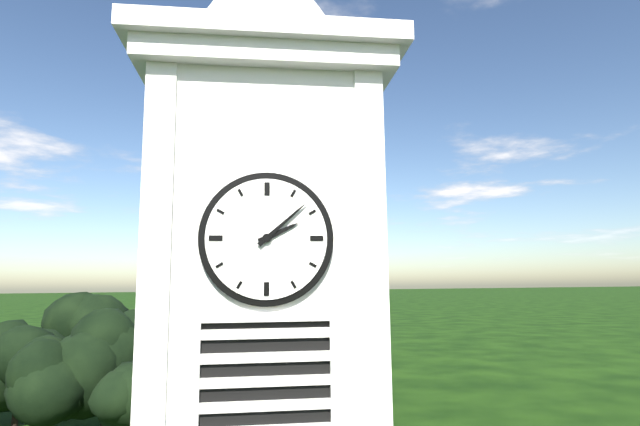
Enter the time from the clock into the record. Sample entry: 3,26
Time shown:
2,08
